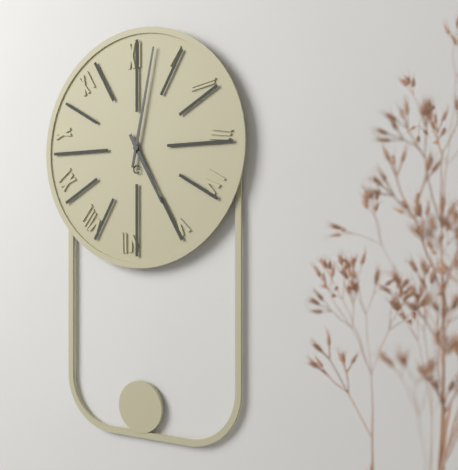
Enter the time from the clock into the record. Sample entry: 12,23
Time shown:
5,02
